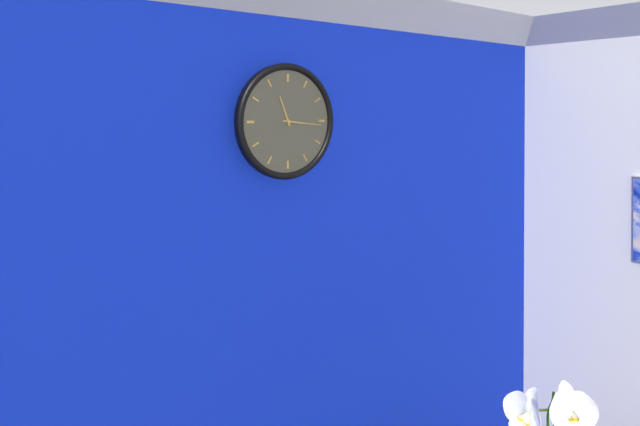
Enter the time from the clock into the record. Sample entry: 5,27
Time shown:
11,16
